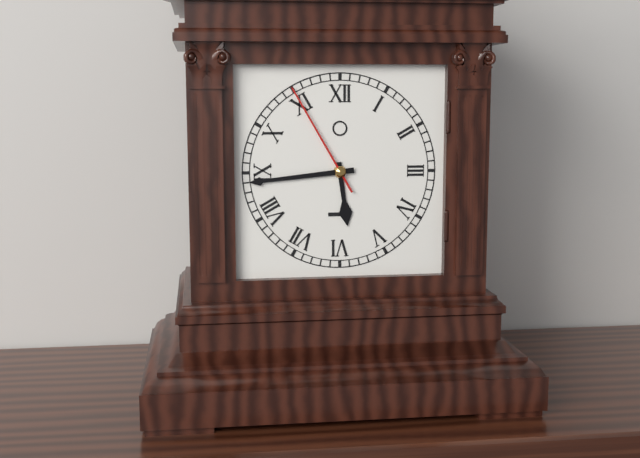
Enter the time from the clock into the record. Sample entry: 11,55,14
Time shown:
5,44,55
